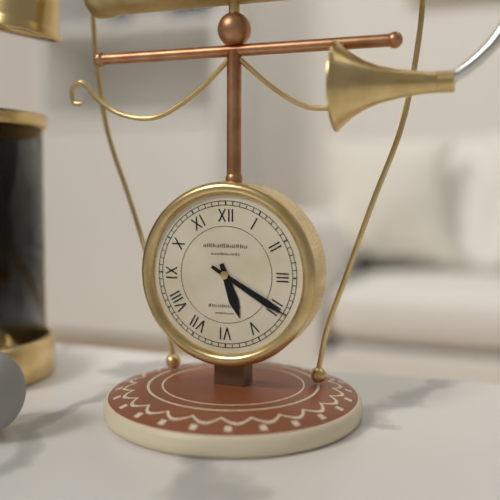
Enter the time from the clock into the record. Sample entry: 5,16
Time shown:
5,20
